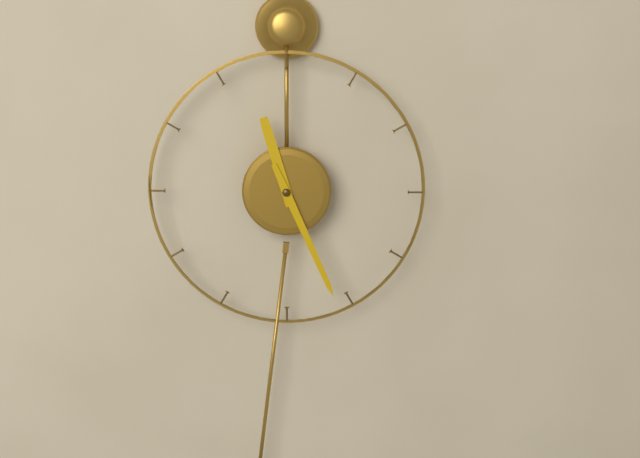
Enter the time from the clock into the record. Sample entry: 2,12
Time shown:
11,26
